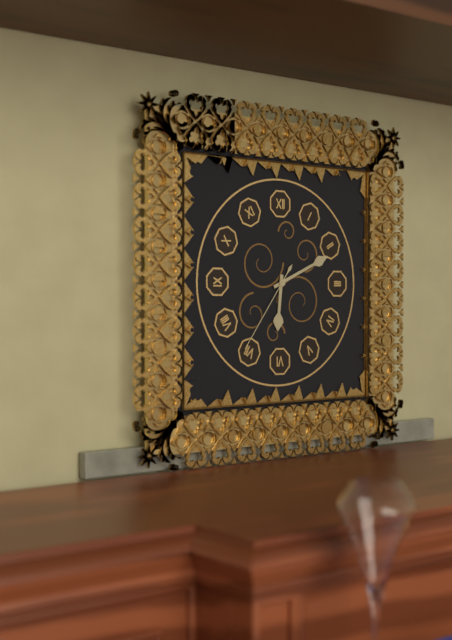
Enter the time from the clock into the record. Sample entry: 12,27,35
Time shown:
6,11,36
